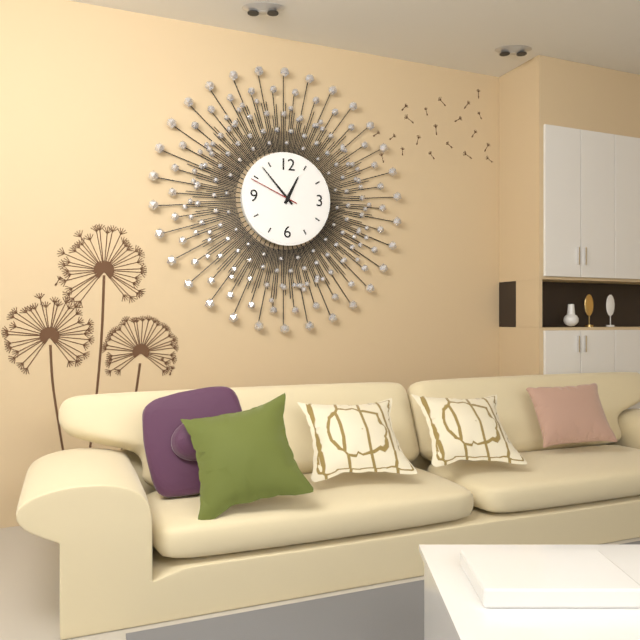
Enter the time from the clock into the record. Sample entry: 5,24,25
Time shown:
12,53,49
